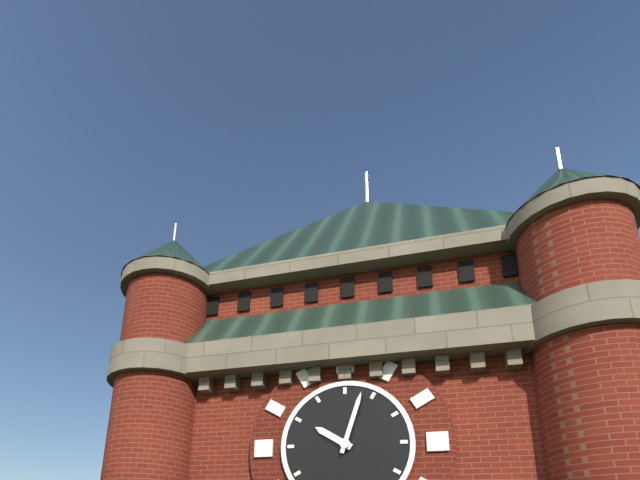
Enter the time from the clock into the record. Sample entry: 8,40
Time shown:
10,03
